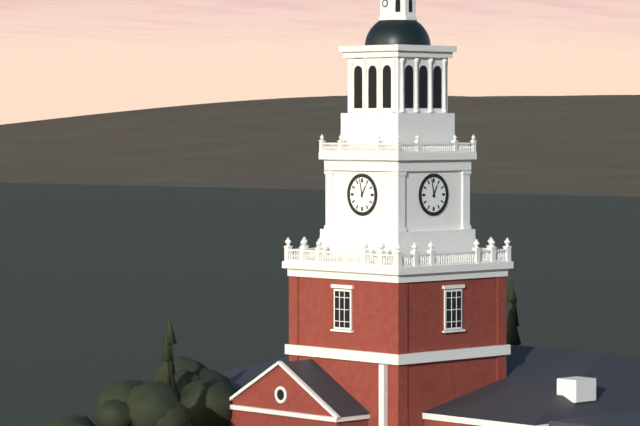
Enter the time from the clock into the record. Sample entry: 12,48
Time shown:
12,58
